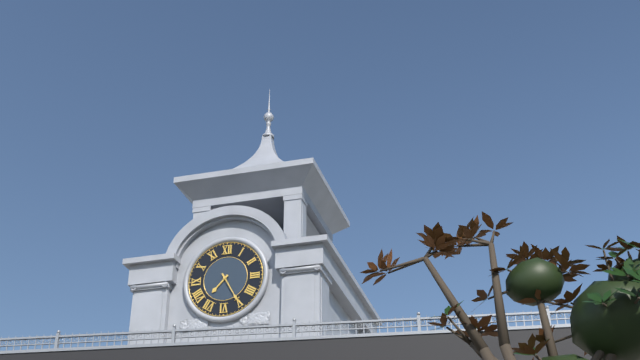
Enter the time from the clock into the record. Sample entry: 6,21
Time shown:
7,25
